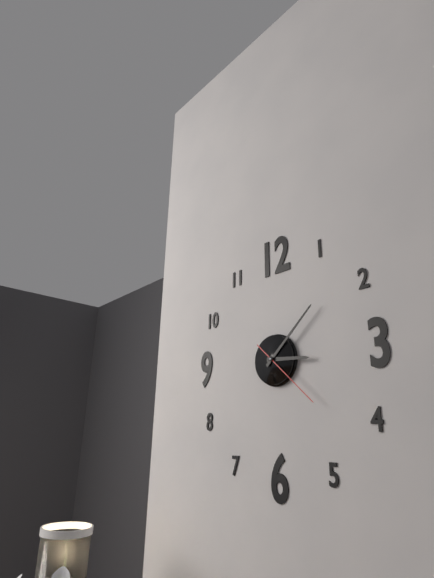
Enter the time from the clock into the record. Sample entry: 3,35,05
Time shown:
3,08,22
